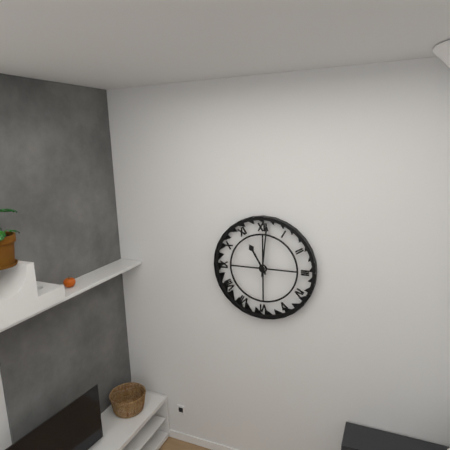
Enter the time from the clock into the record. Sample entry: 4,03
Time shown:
11,01
